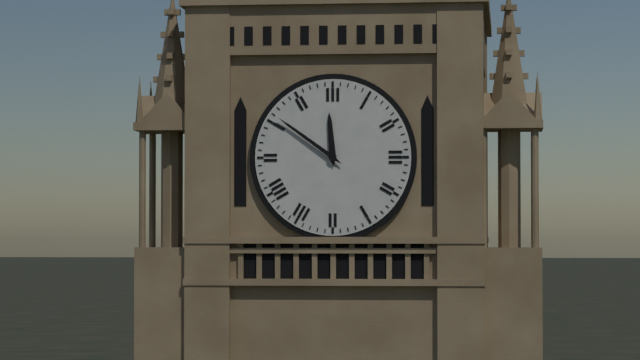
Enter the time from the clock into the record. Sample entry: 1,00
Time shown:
11,51
